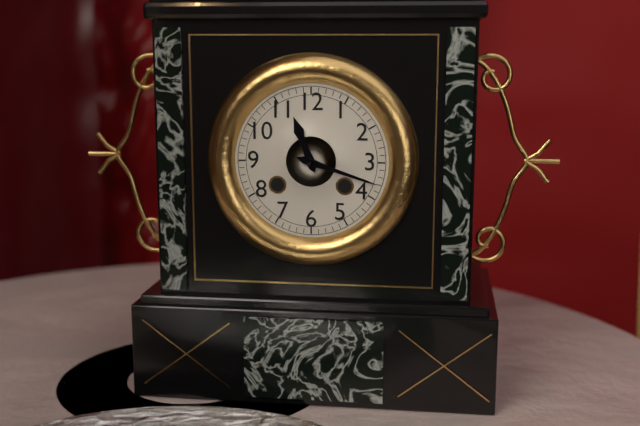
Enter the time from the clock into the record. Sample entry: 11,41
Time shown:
11,18
